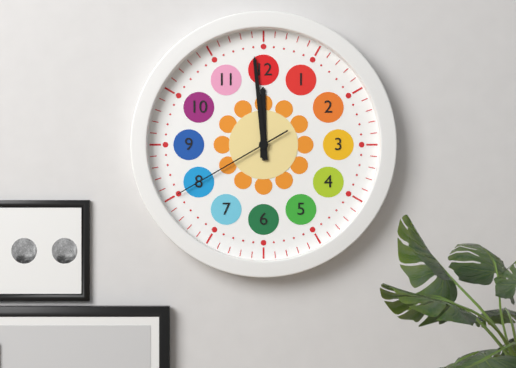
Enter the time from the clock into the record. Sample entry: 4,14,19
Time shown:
11,59,40
